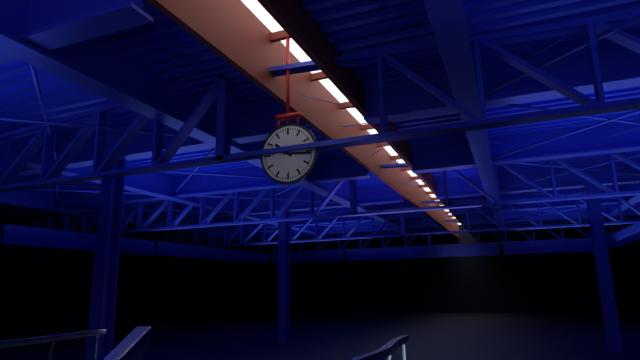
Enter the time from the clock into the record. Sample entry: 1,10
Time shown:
10,16
